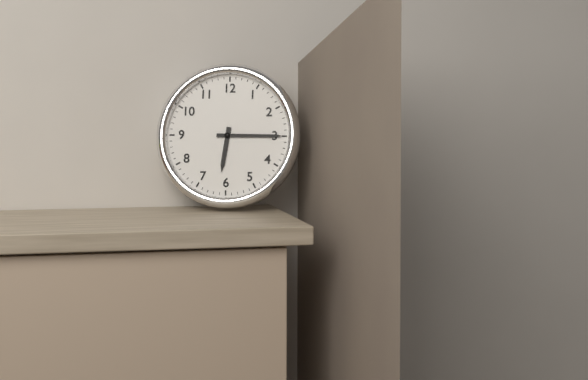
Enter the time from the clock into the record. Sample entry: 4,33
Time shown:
6,15
